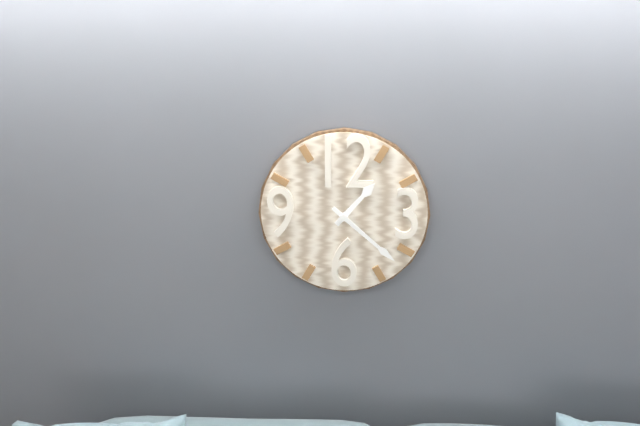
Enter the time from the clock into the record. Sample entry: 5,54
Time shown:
1,22
